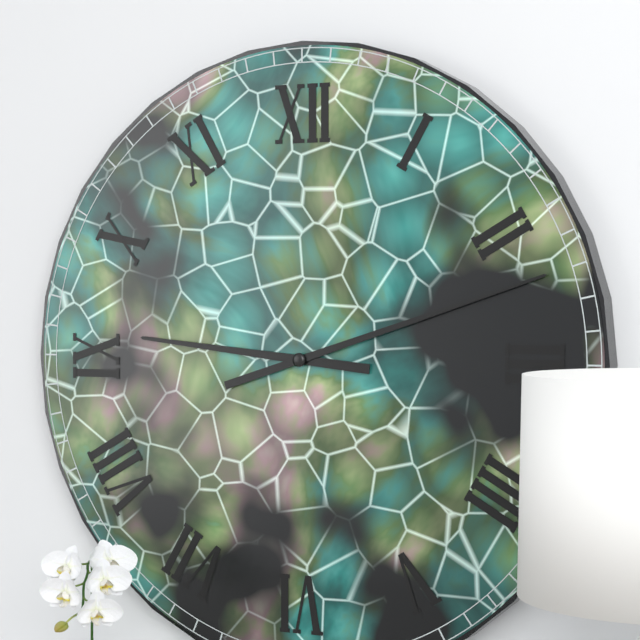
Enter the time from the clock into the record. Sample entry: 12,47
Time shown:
9,12
